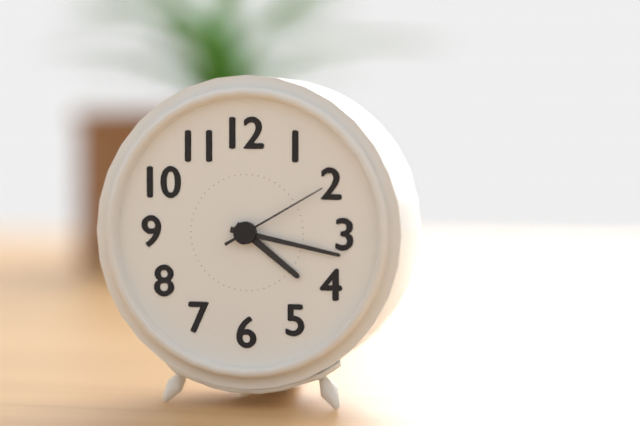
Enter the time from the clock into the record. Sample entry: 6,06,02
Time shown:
4,17,10
